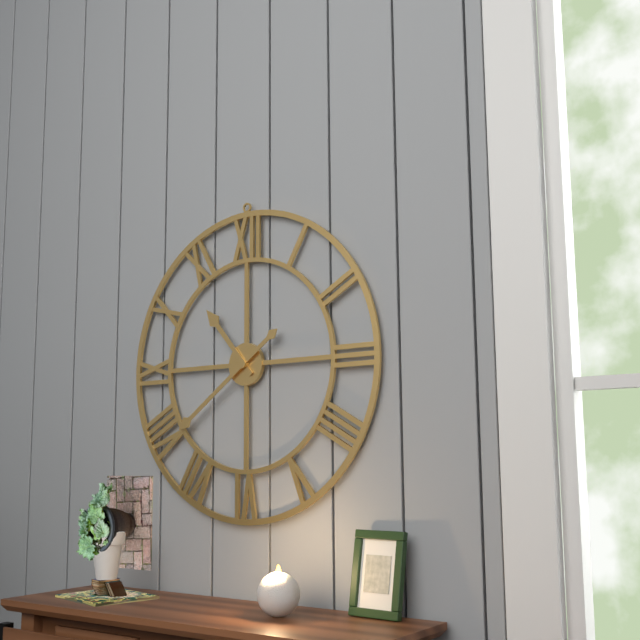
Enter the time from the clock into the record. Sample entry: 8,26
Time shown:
10,39
